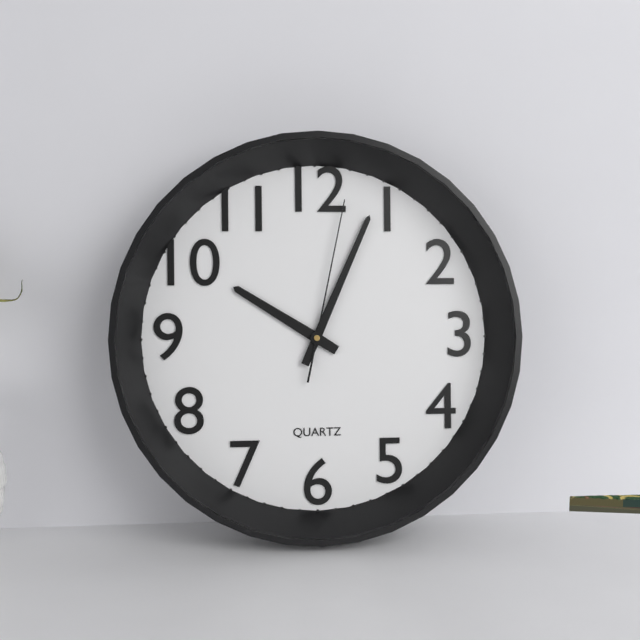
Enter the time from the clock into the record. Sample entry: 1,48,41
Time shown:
10,04,02
